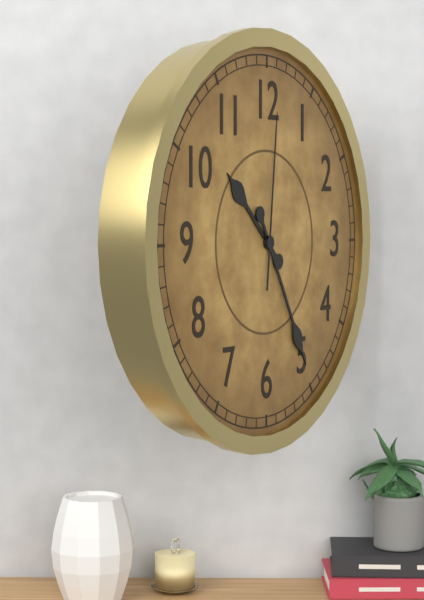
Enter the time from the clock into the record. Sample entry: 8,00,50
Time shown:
10,25,01
